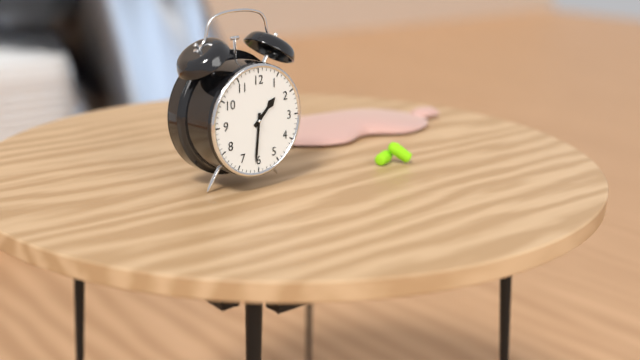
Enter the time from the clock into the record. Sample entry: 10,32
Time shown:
1,31
